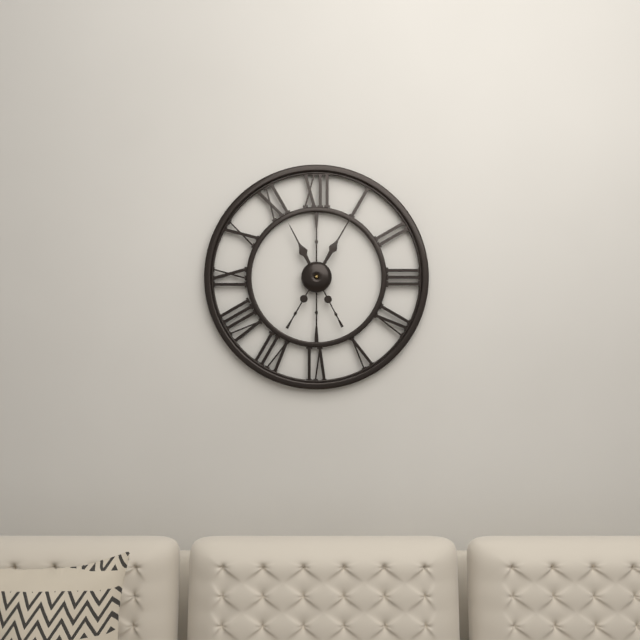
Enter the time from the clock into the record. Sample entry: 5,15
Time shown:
11,05
